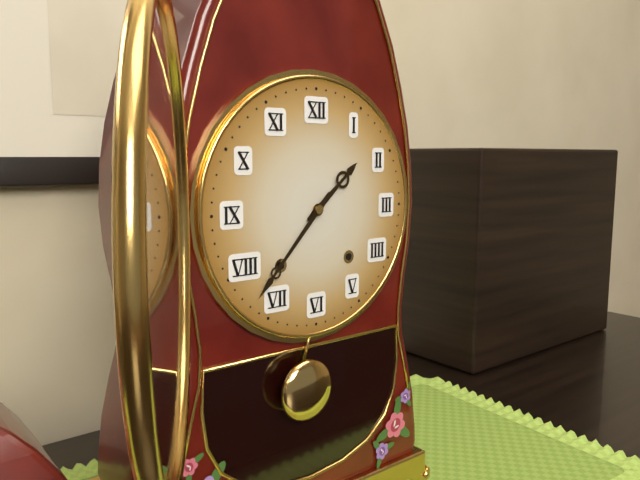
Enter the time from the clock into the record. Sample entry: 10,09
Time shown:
1,37
